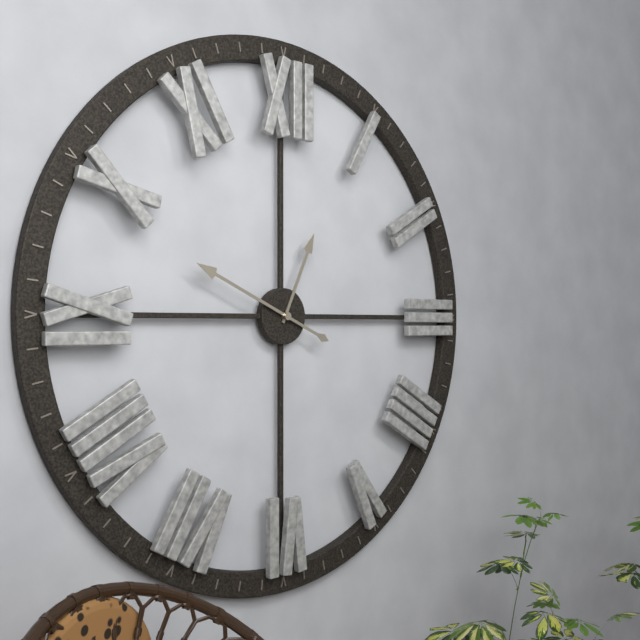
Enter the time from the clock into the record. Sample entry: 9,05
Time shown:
12,49
